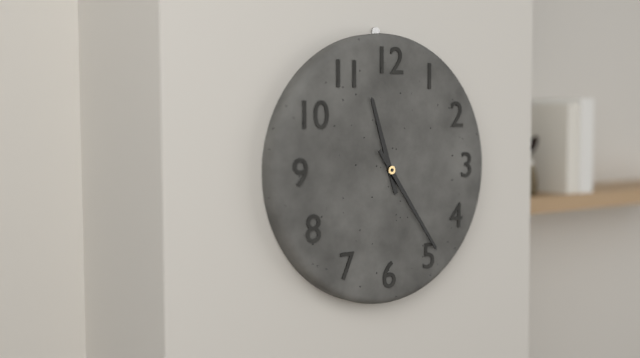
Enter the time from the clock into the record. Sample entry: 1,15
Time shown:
11,24
